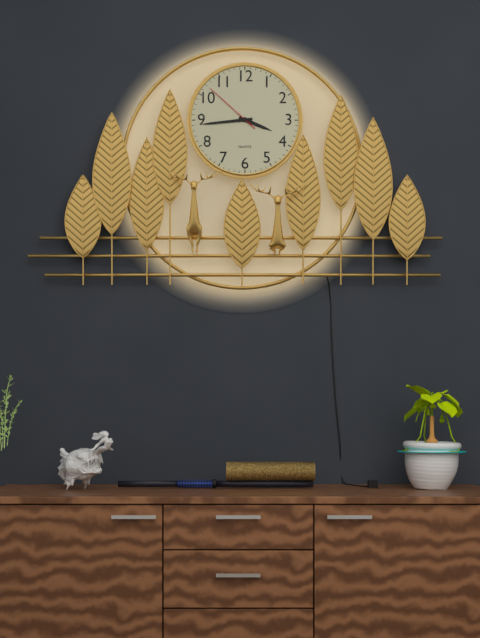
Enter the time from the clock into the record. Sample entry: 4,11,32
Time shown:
3,44,52
